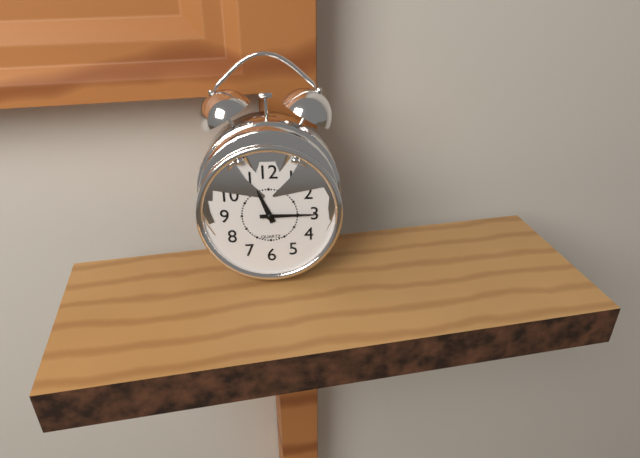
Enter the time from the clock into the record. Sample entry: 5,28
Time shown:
11,15
